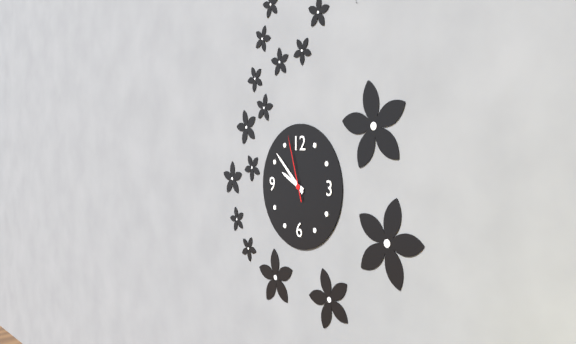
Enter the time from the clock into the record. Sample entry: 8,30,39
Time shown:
9,52,57
